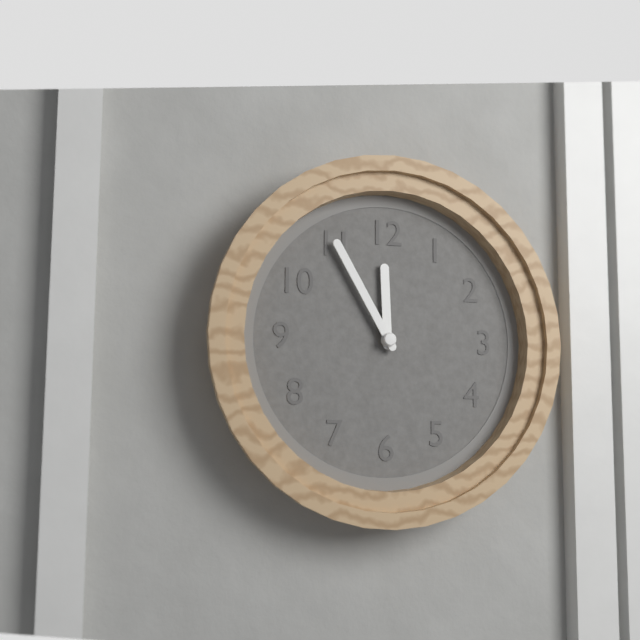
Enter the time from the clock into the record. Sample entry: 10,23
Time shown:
11,55
